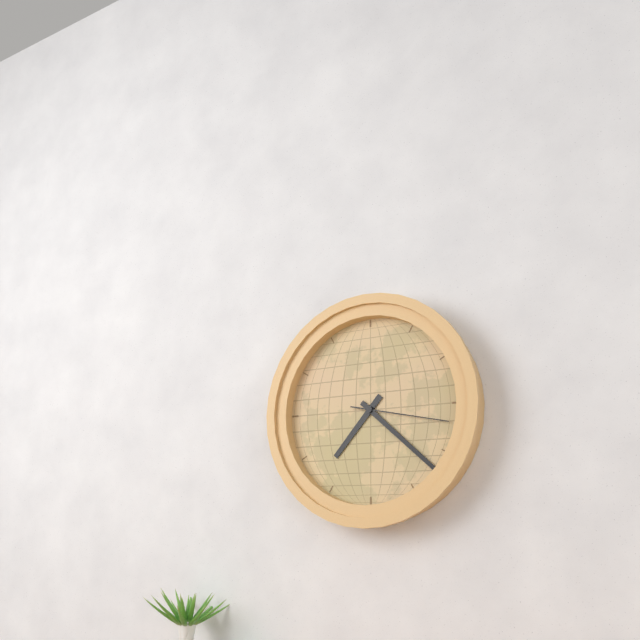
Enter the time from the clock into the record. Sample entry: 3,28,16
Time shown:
7,22,17
